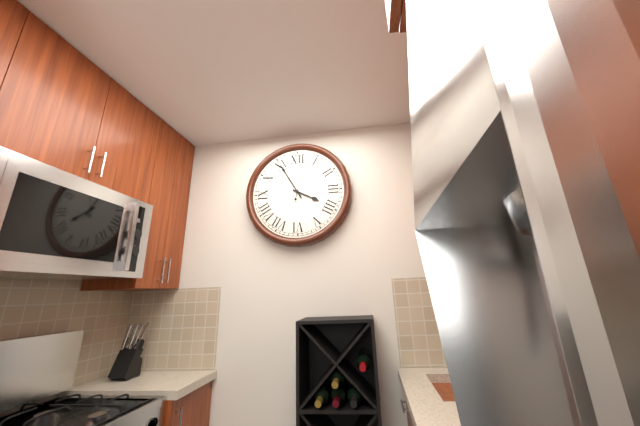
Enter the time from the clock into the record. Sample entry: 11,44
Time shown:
3,55
